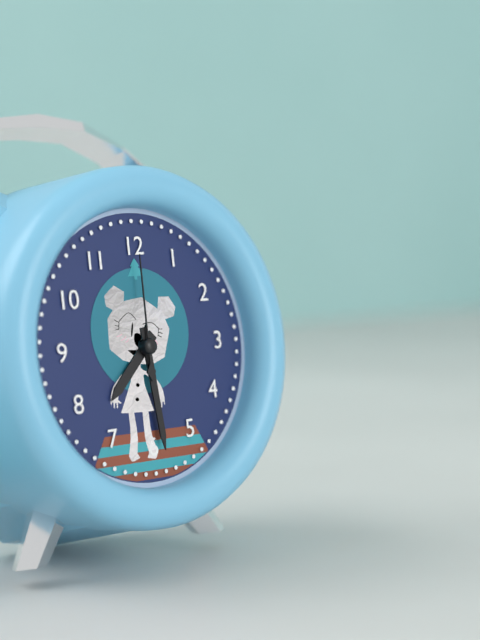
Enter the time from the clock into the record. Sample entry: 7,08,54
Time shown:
7,29,00
